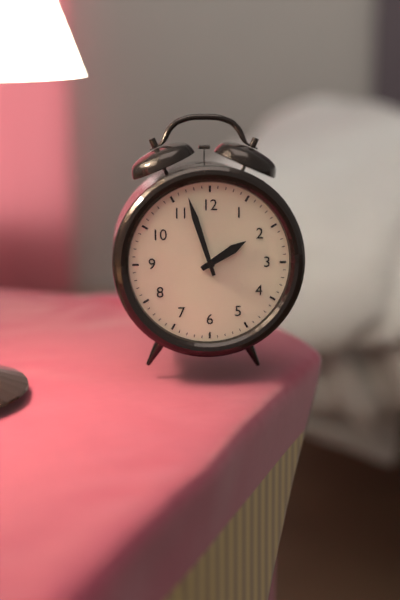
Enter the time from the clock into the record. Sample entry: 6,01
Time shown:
1,57
